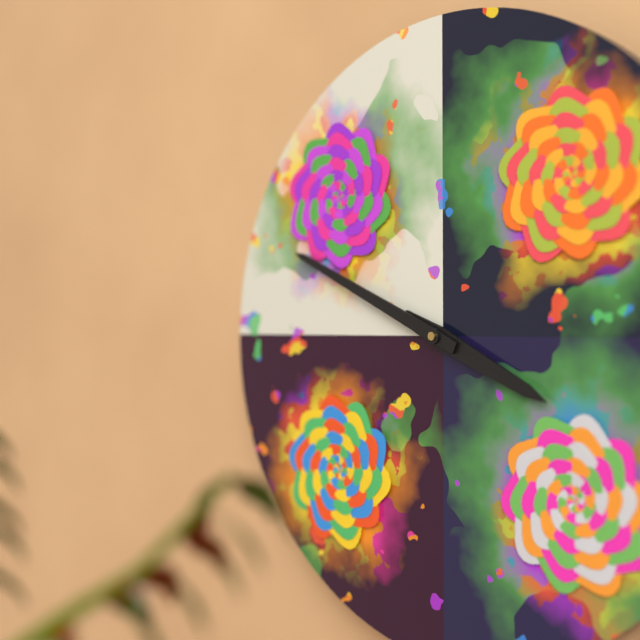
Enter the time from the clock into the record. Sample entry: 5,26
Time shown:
3,49
